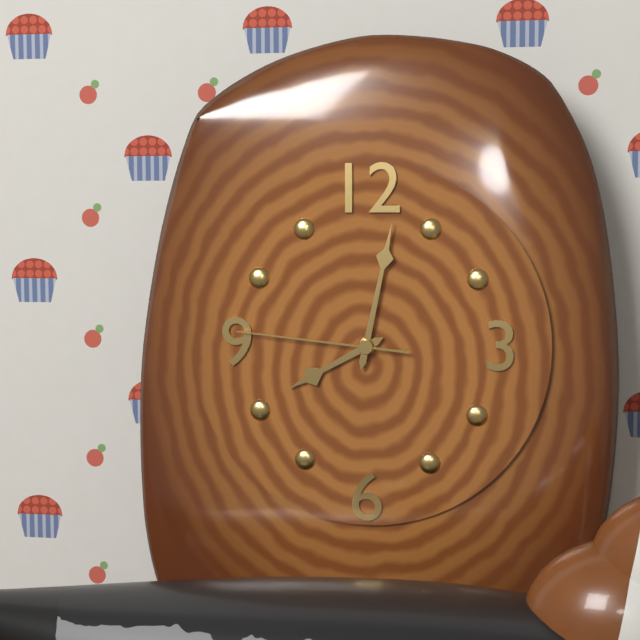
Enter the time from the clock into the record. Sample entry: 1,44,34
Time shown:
8,02,46
